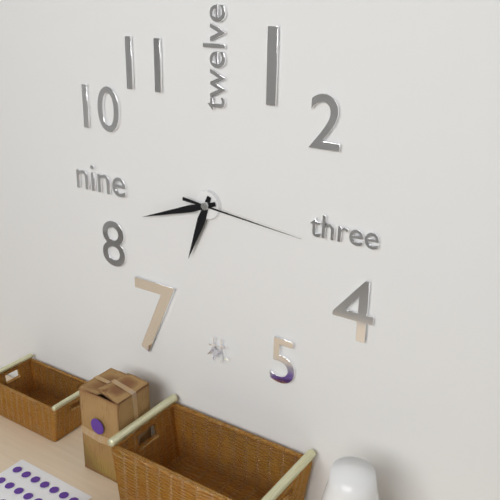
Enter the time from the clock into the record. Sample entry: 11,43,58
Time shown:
6,42,16
